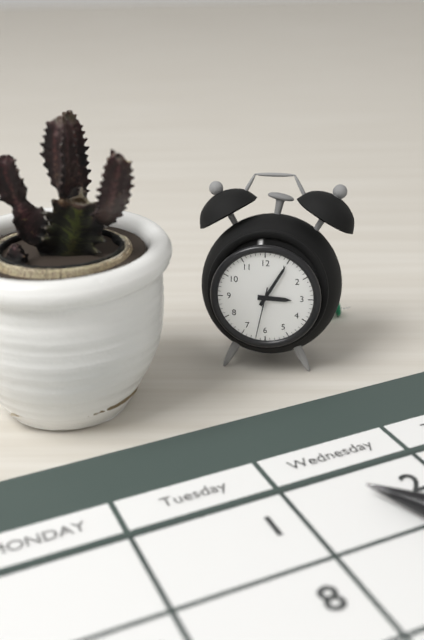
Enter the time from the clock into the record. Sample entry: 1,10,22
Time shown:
3,05,32
